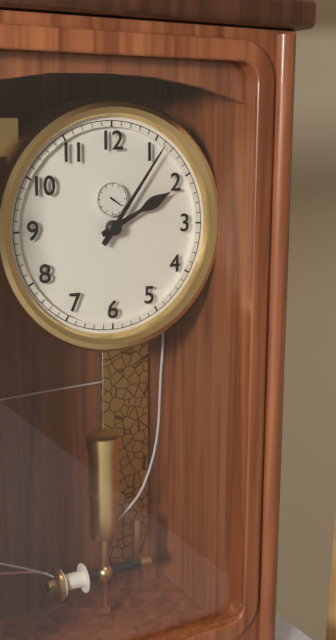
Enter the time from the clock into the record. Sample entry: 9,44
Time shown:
2,06
